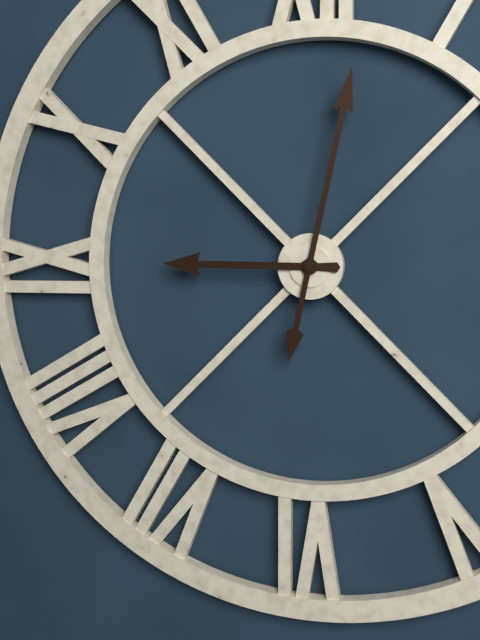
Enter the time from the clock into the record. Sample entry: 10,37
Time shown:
9,02
